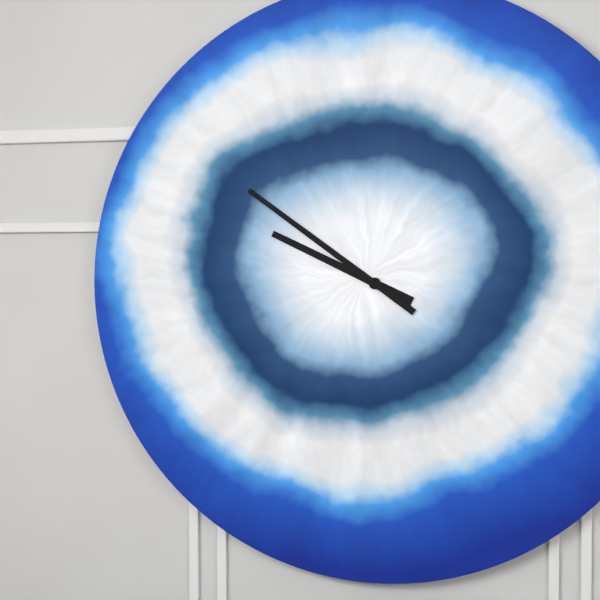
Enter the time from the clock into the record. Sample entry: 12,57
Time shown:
9,51
